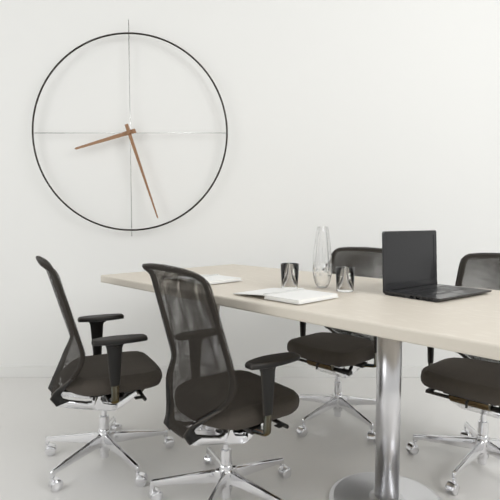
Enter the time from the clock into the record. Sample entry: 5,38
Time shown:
8,27
